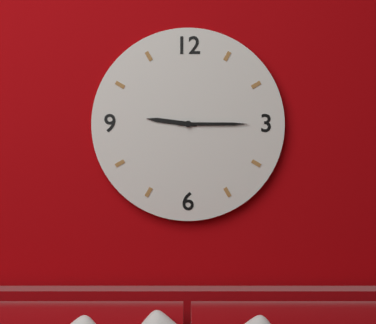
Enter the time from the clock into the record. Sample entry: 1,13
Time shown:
9,15
